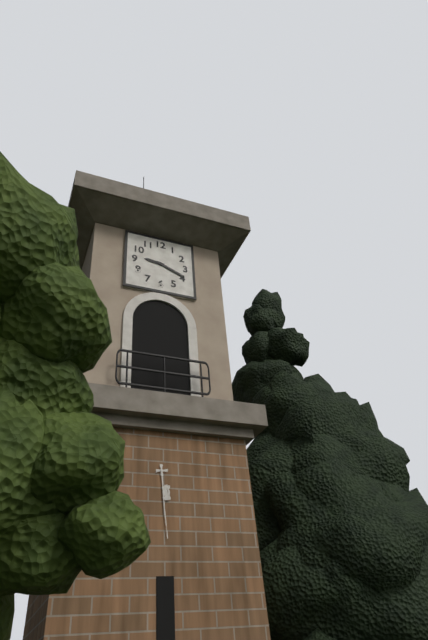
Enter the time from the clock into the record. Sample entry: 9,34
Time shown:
9,19
